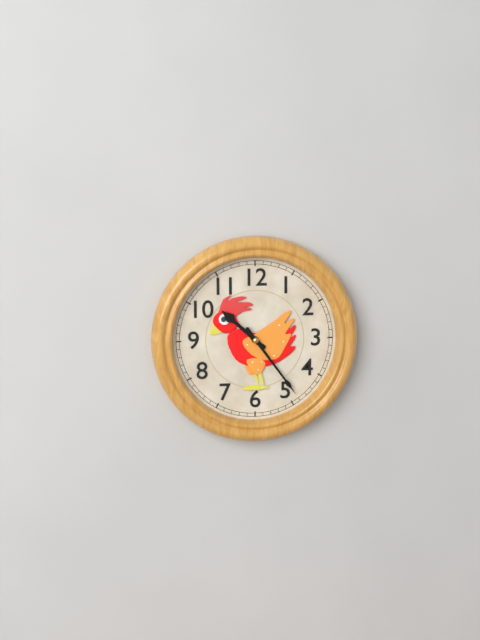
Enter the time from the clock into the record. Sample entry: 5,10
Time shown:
10,24
